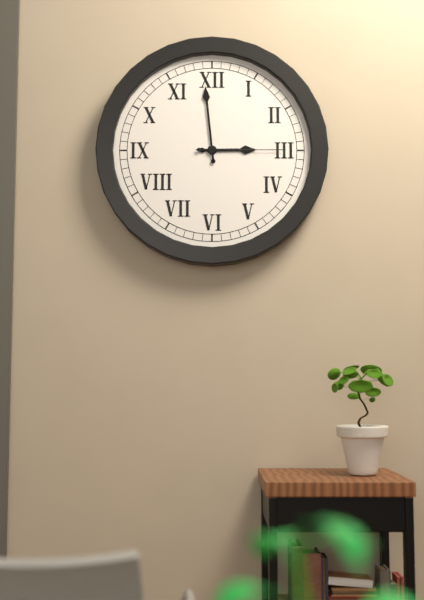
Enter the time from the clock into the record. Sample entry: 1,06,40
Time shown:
2,59,15
